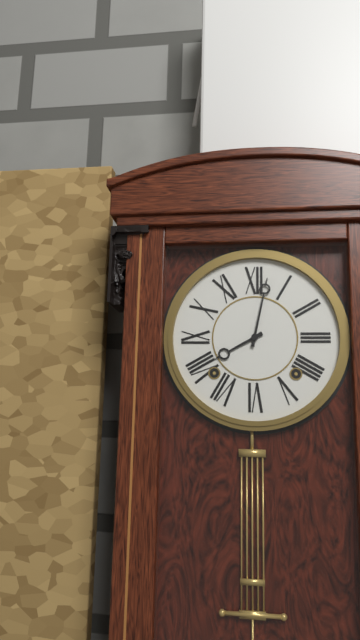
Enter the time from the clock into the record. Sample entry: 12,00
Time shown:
8,02
